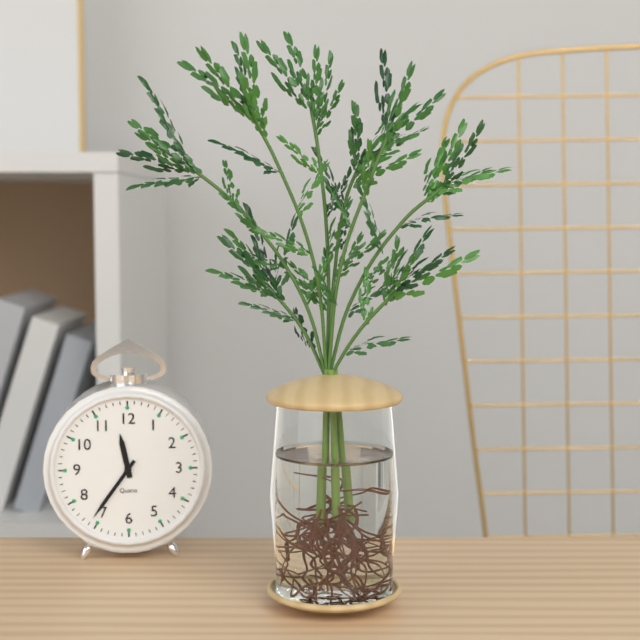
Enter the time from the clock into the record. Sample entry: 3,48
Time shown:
11,36
